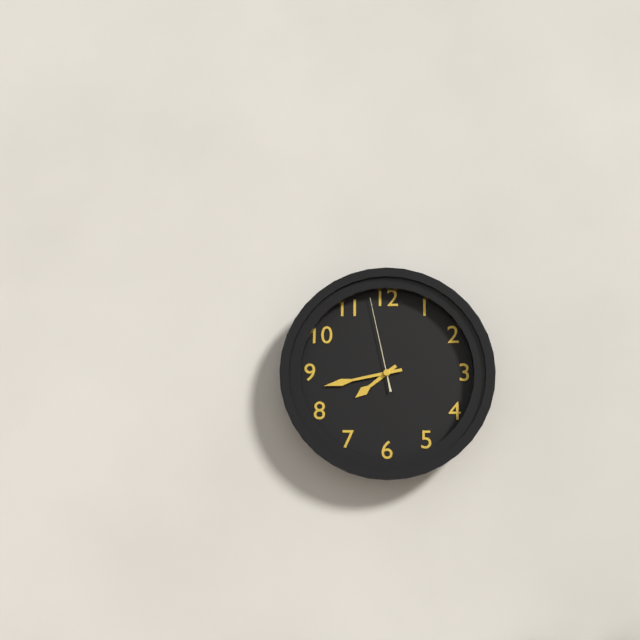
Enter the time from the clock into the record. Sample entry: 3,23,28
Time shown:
7,43,58
